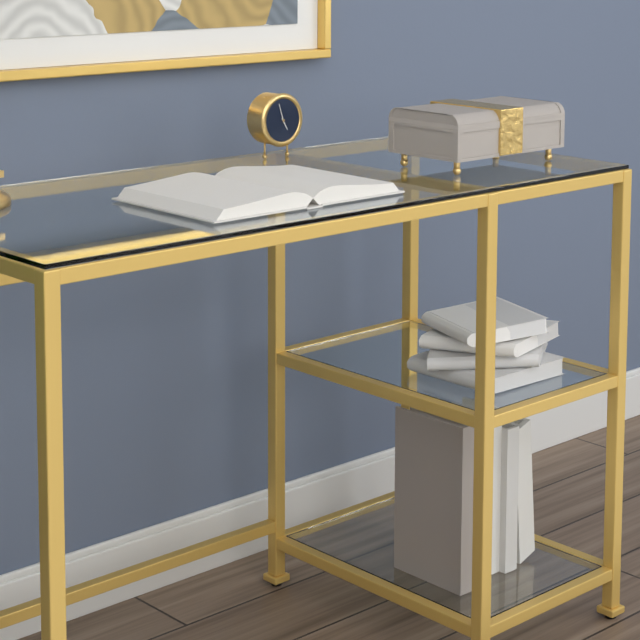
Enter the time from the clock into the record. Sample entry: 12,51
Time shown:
4,57
